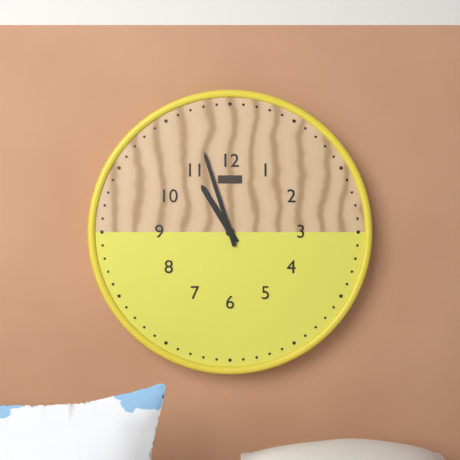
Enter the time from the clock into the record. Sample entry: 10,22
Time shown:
10,57
